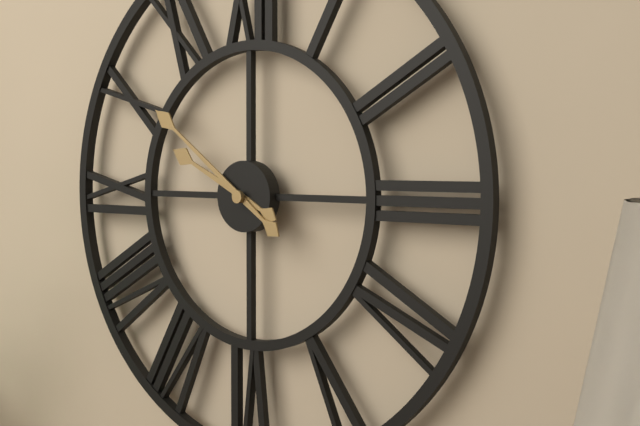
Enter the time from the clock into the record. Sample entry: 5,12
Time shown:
9,51
